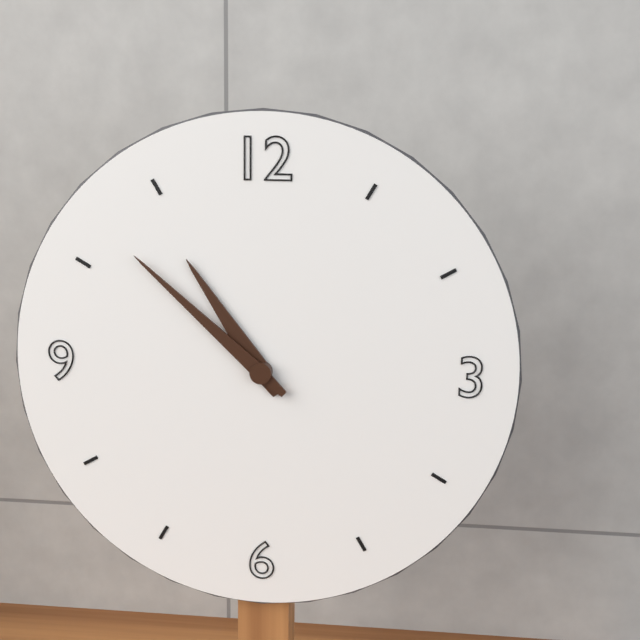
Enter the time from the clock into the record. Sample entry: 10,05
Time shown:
10,52
